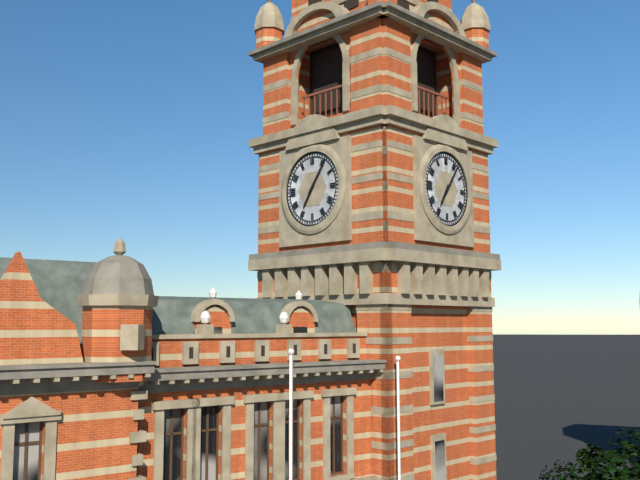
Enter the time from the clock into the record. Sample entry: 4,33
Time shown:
7,06
